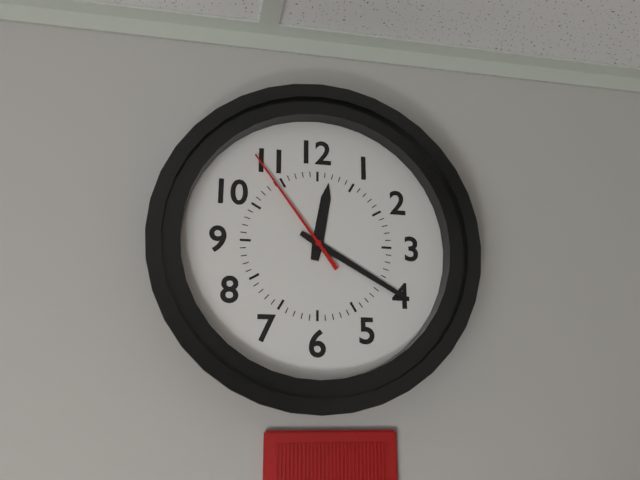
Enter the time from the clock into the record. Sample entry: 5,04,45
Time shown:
12,20,54
